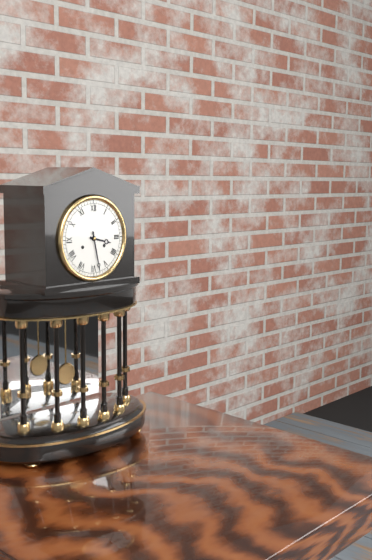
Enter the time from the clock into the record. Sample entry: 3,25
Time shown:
3,28
